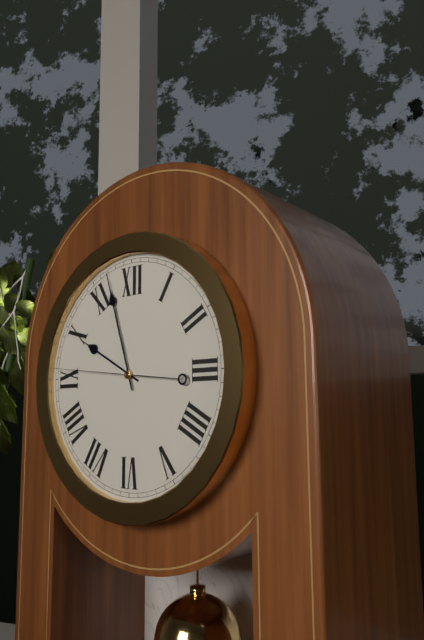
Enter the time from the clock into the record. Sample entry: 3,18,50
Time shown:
9,57,46
